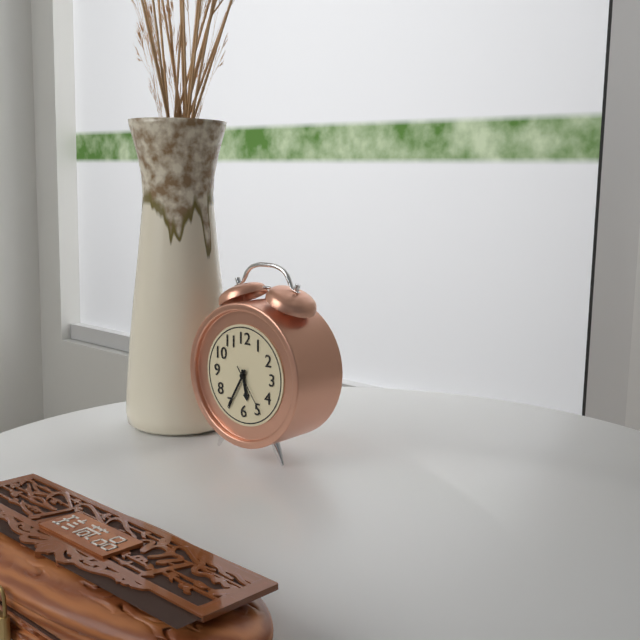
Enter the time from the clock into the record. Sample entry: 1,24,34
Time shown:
5,35,24
